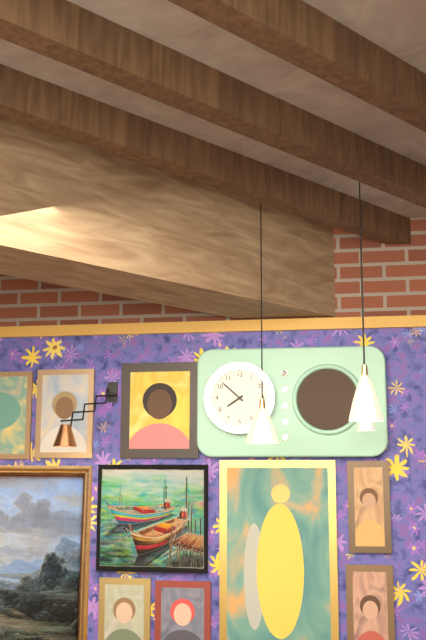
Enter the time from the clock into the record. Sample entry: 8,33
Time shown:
7,52
